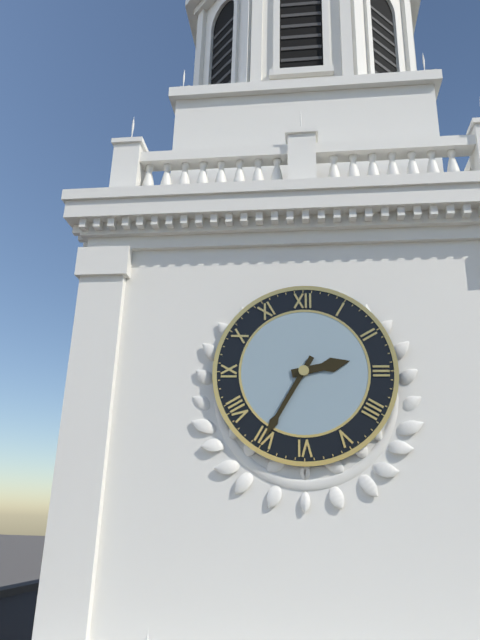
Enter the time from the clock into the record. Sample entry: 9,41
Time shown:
2,35
